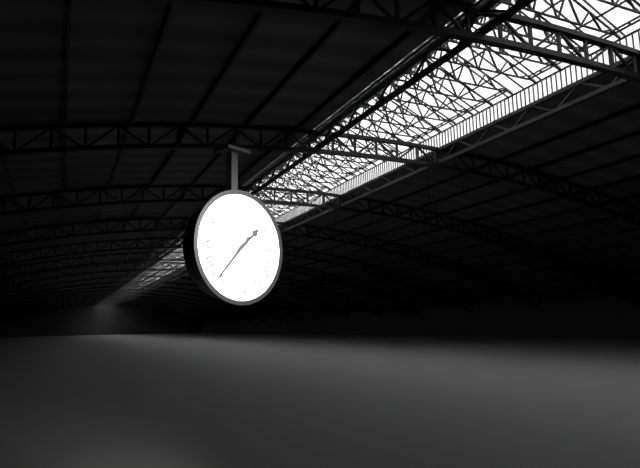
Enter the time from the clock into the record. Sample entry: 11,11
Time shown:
1,37
